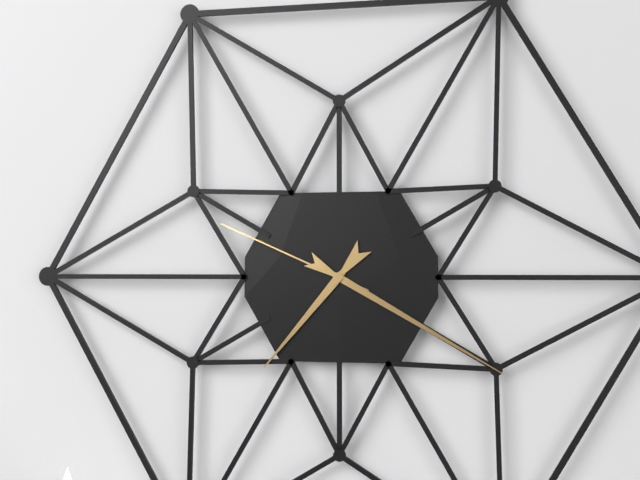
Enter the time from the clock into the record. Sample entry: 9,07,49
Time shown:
7,20,49
